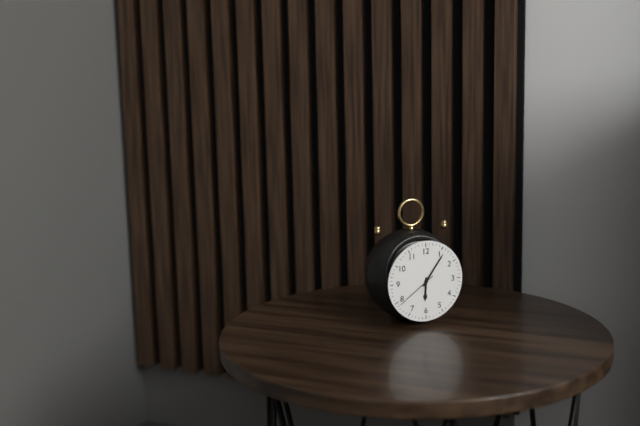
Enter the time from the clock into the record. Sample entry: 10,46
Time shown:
6,06
